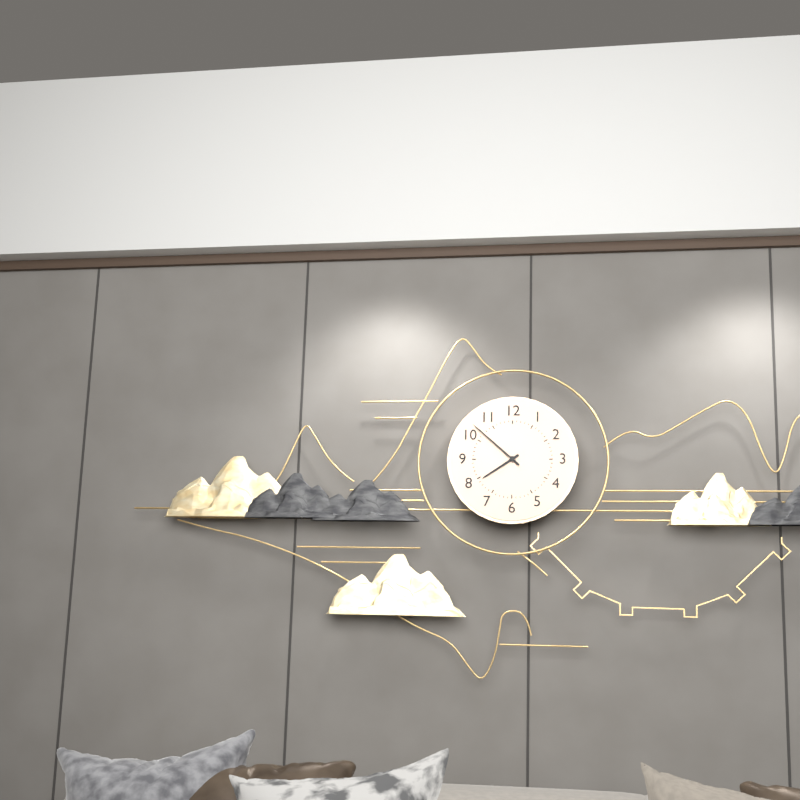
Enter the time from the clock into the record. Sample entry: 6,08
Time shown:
7,52
